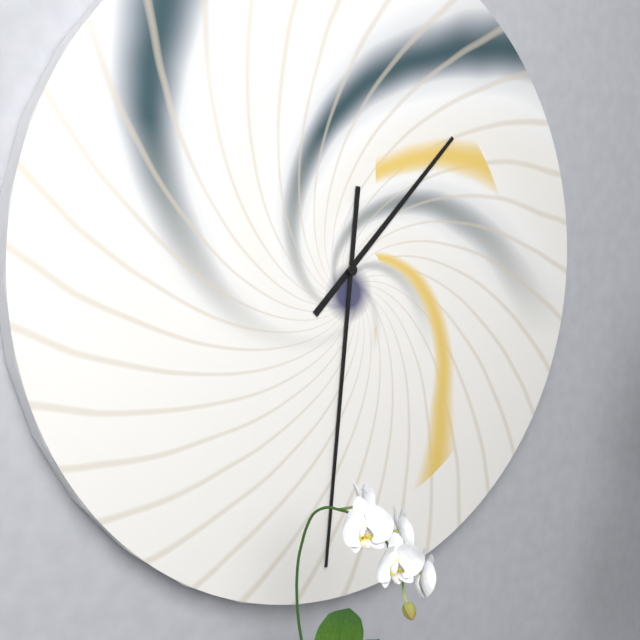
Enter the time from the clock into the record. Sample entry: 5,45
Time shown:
1,31
